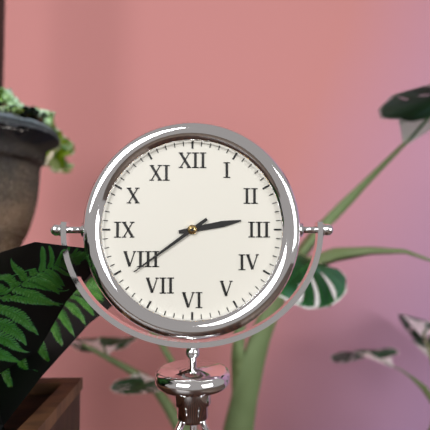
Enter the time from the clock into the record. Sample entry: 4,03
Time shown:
2,39
